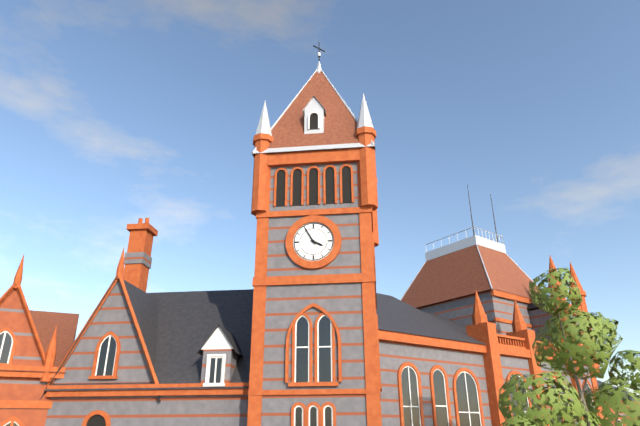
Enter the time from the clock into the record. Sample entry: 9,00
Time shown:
3,55
